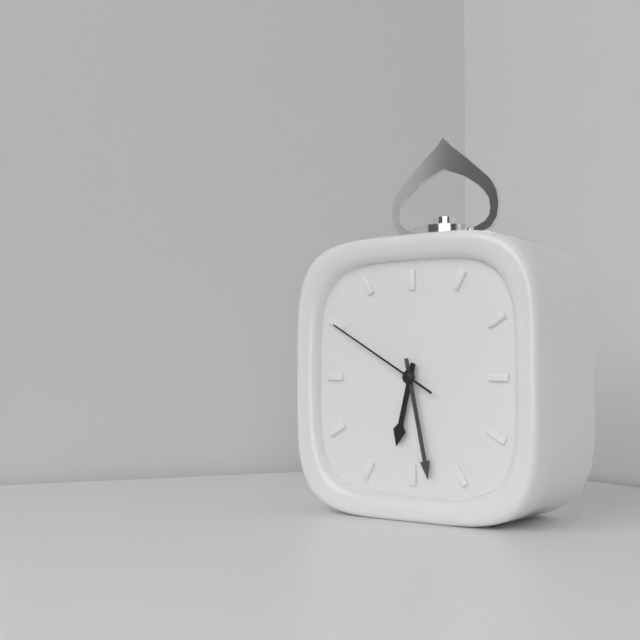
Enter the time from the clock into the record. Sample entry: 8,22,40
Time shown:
6,28,50
